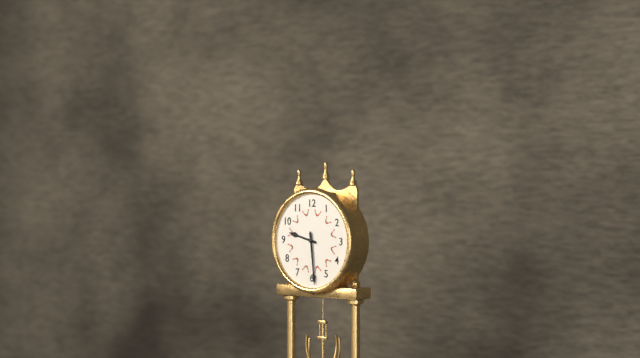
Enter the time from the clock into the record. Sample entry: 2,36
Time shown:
9,29
